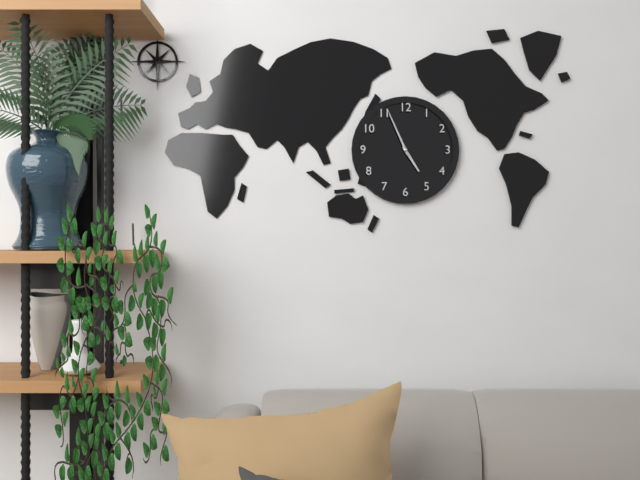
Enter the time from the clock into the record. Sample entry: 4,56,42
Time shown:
4,56,56
